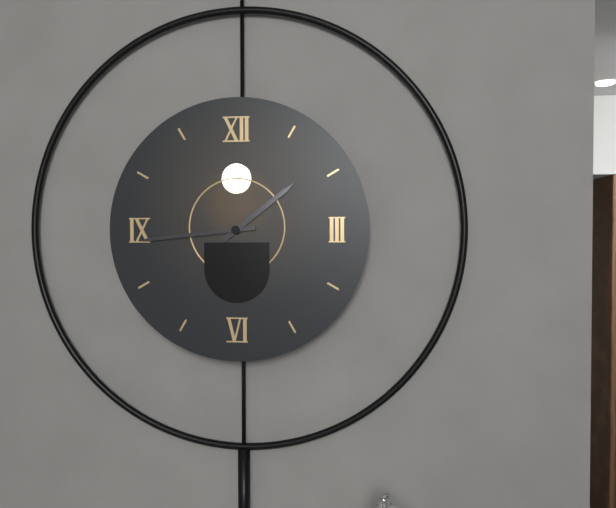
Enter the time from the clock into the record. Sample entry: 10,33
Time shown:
1,44
